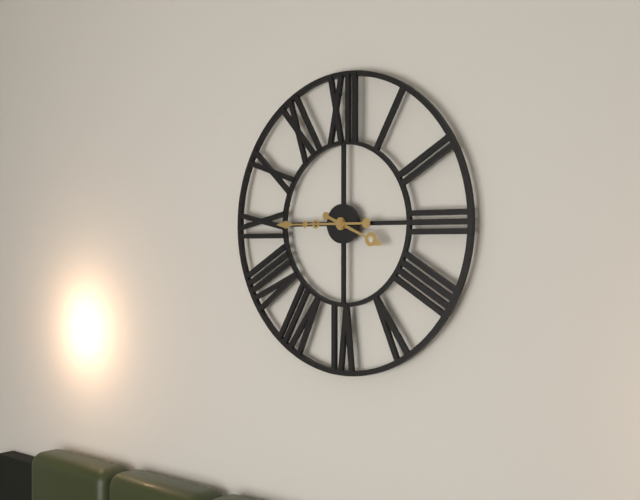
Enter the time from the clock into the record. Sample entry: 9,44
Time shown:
3,45
